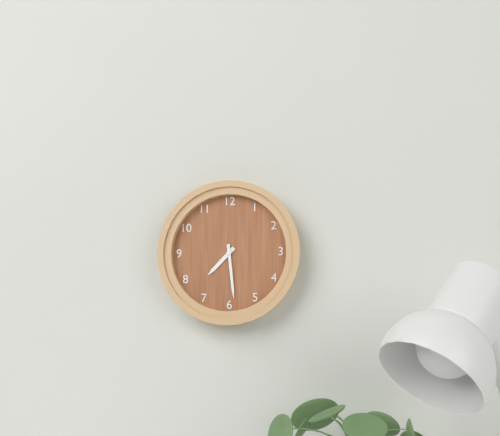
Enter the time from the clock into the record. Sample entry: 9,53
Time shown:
7,29
